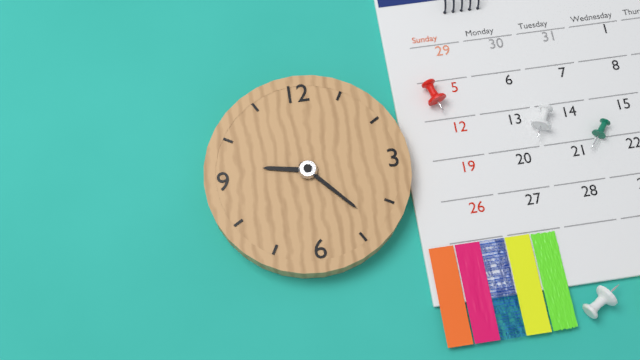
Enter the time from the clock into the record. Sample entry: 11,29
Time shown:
9,23
